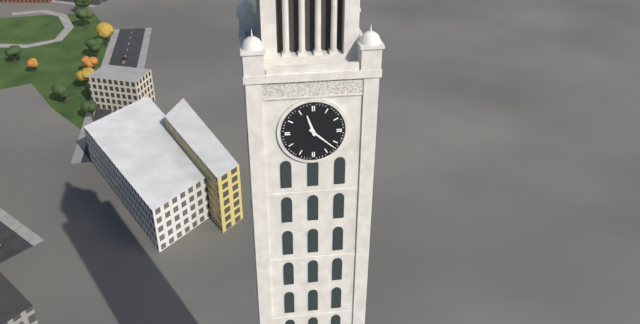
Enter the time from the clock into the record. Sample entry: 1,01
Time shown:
11,22
